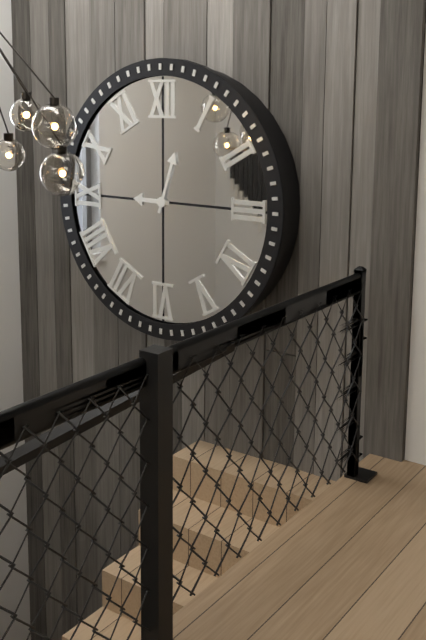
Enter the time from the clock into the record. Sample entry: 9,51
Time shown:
9,03
